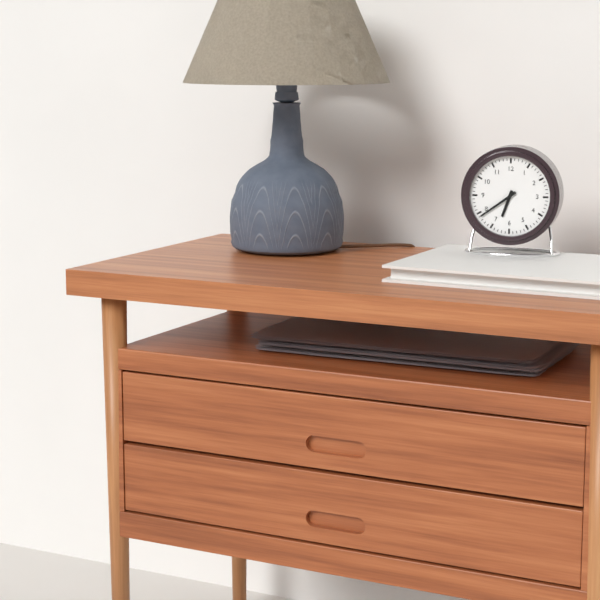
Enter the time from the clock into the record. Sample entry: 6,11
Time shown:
6,39
